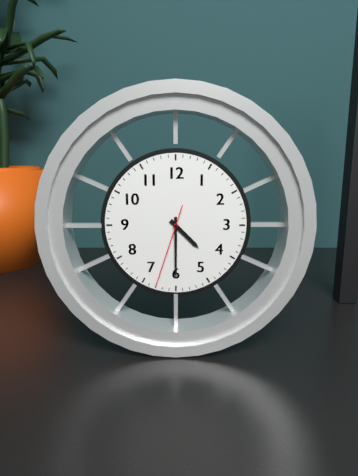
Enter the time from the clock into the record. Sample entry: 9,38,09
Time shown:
4,30,33
